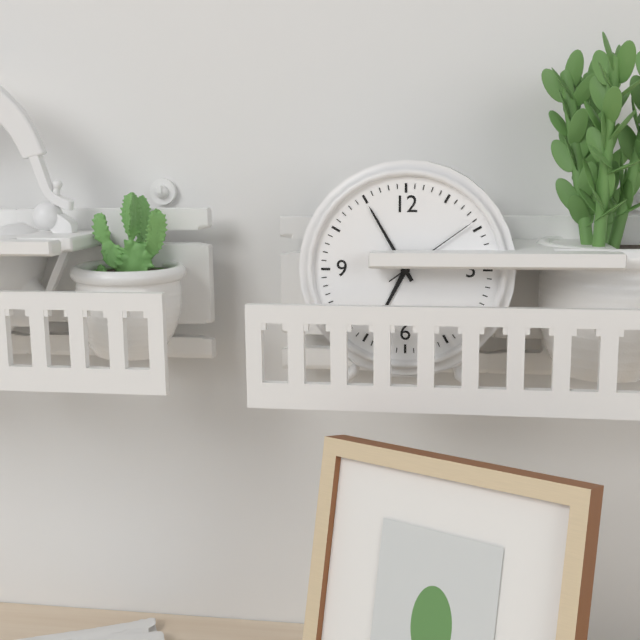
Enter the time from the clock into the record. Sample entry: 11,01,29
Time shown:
6,55,09
